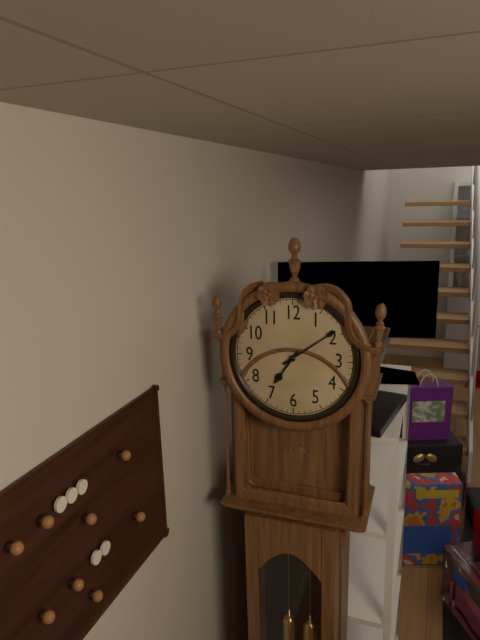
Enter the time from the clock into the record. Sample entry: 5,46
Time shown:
7,09
